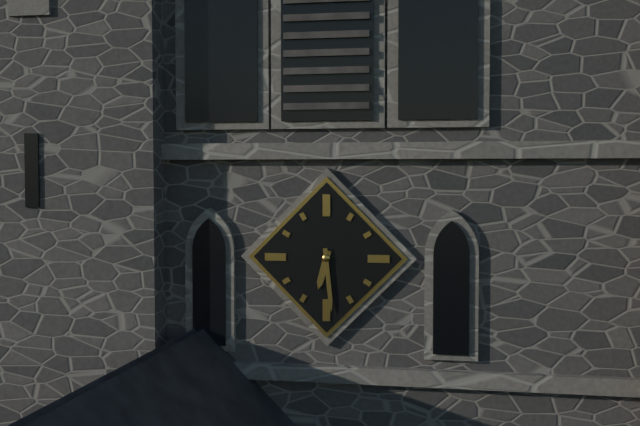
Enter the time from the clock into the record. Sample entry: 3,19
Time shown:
6,29
